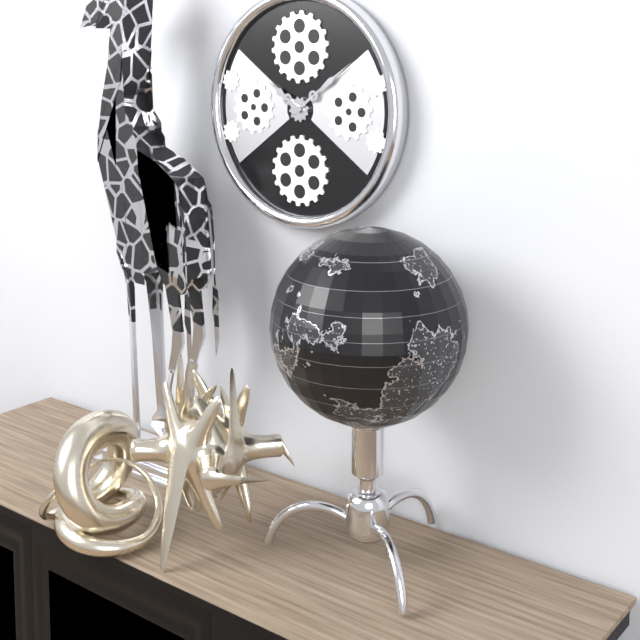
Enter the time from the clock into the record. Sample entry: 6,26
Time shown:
10,09
